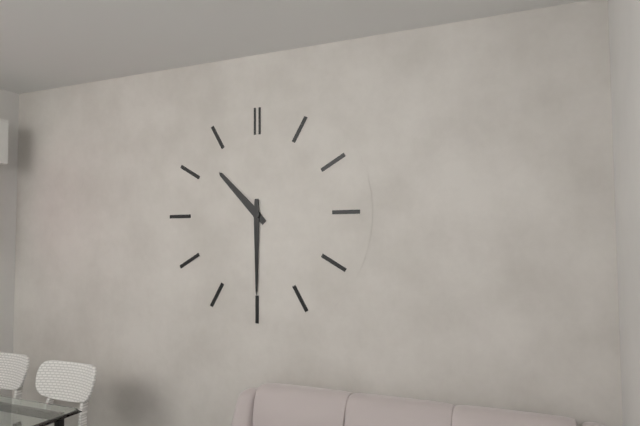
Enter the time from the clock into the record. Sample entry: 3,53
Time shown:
10,30
